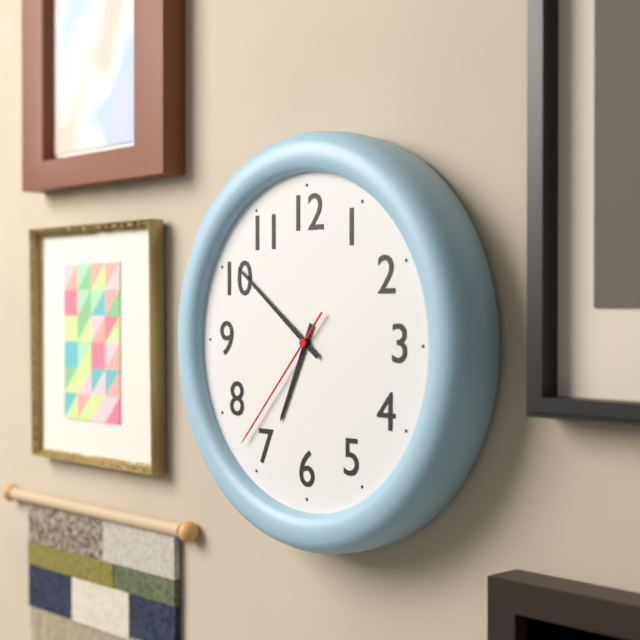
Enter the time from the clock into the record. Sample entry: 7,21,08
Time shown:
6,51,37
